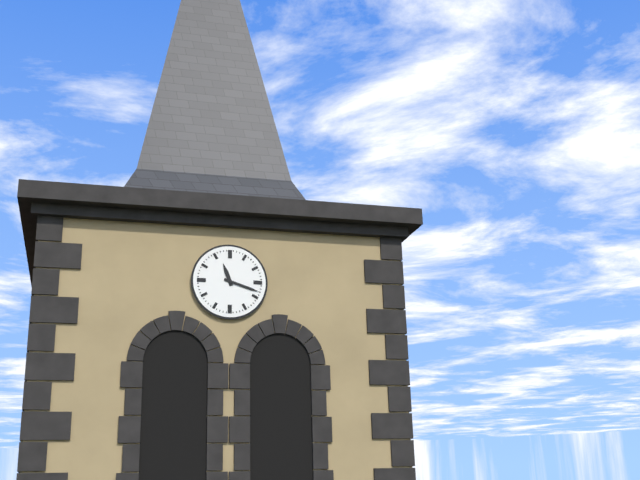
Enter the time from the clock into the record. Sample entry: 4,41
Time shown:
11,18
